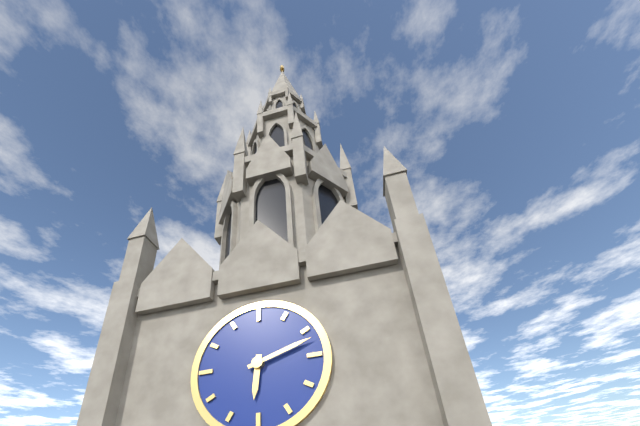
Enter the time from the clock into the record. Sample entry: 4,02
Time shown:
6,12
